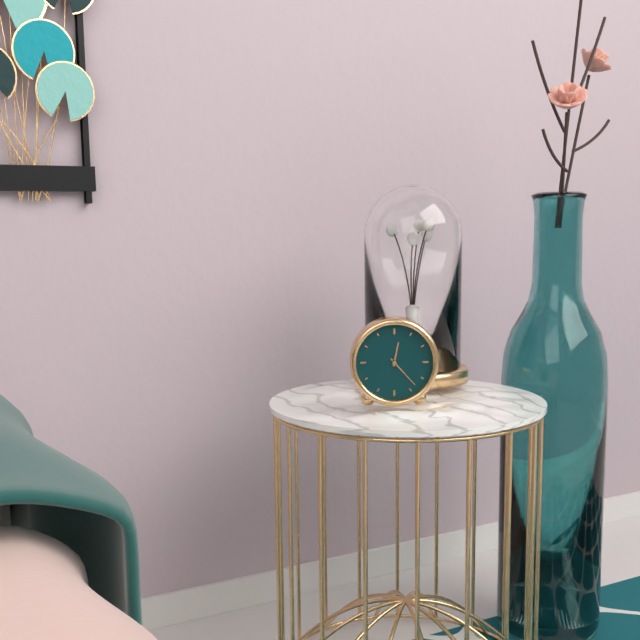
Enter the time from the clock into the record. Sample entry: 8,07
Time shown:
12,23
